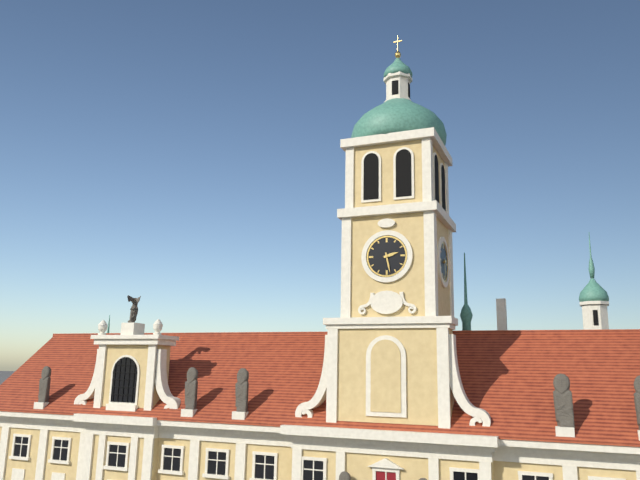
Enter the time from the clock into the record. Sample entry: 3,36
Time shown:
2,28
